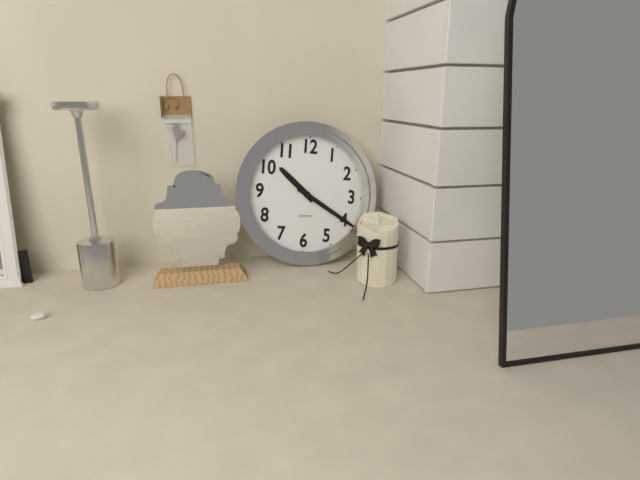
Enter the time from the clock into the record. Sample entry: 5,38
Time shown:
10,20
